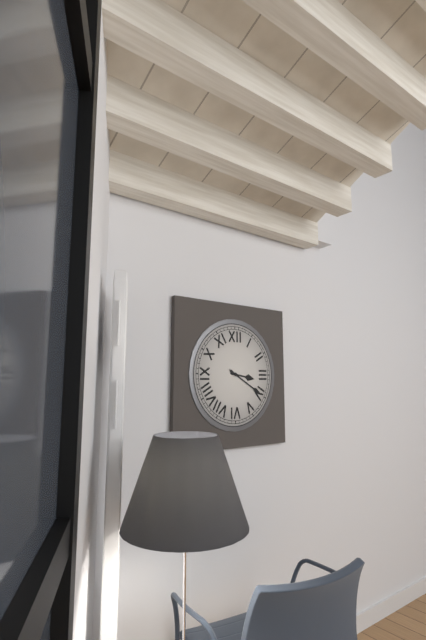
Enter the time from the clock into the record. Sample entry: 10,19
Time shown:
3,20
